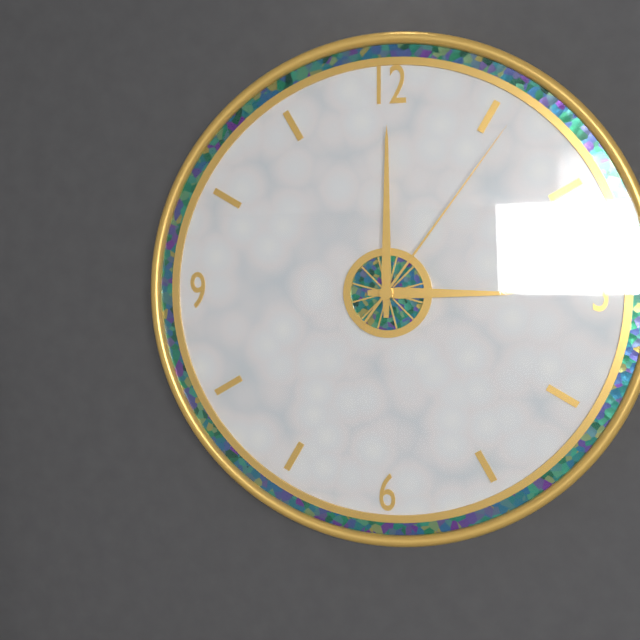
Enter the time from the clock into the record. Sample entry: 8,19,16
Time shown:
3,00,06
